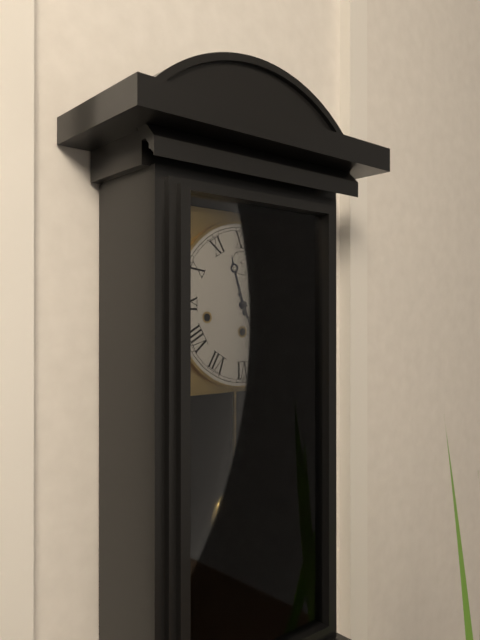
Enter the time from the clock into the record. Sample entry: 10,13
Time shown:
11,26
